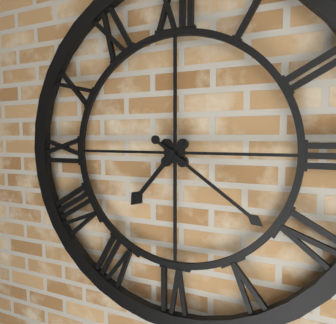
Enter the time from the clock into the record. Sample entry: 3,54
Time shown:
7,21
